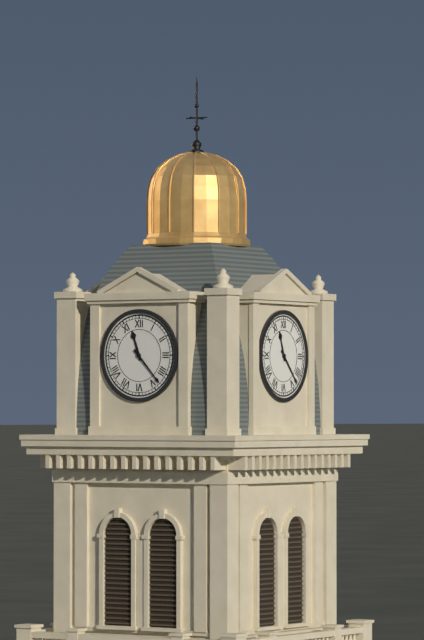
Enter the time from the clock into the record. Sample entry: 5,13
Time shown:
11,23
